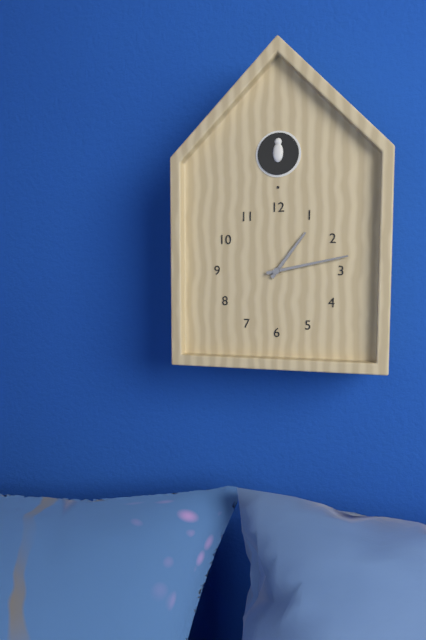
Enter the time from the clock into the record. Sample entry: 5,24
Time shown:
1,13
